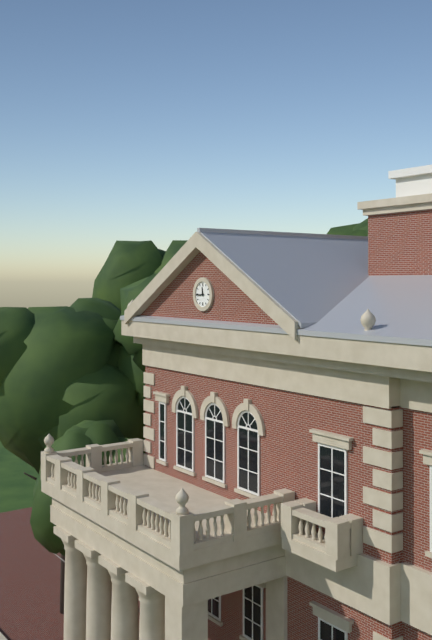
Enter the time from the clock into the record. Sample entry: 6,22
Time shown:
11,44
